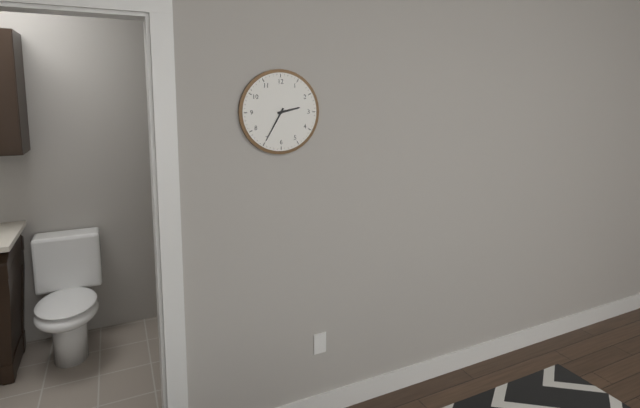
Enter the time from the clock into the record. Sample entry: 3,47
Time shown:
2,35
